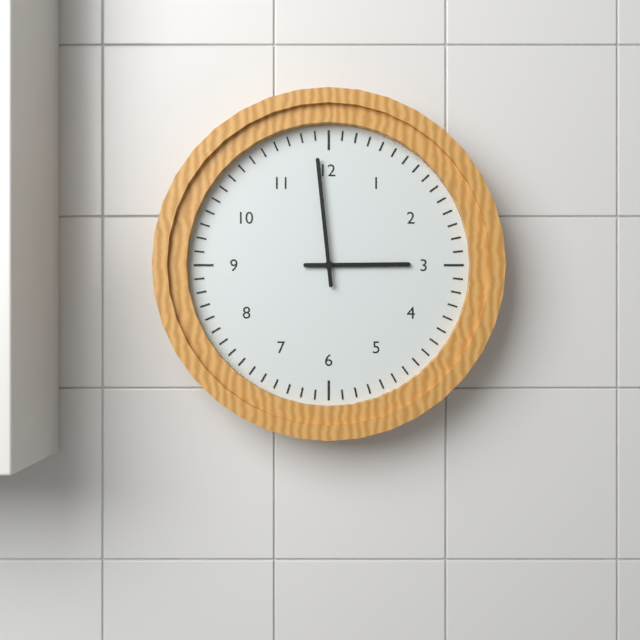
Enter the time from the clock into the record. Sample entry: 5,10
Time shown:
2,59
